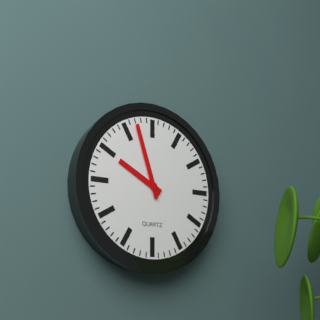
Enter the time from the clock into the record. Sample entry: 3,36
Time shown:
9,57
